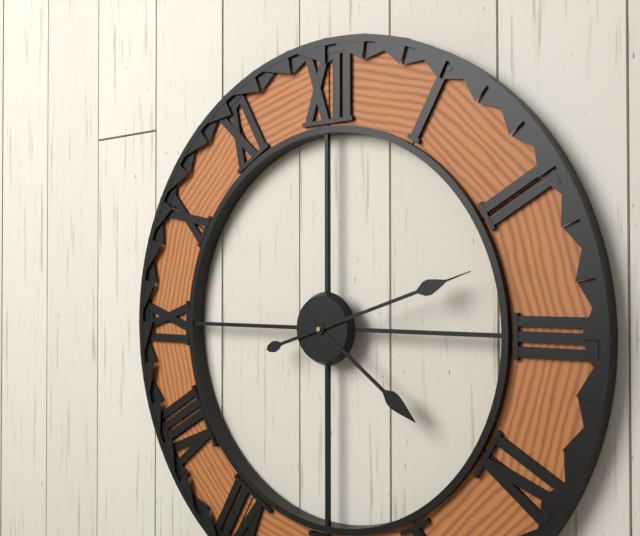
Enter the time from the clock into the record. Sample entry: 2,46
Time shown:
4,12
